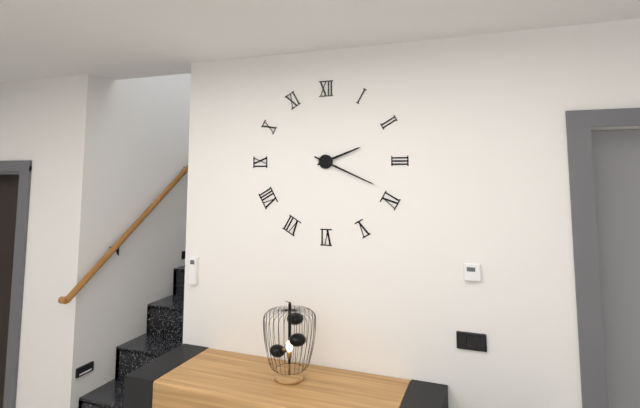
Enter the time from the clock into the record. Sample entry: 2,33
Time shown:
2,19
